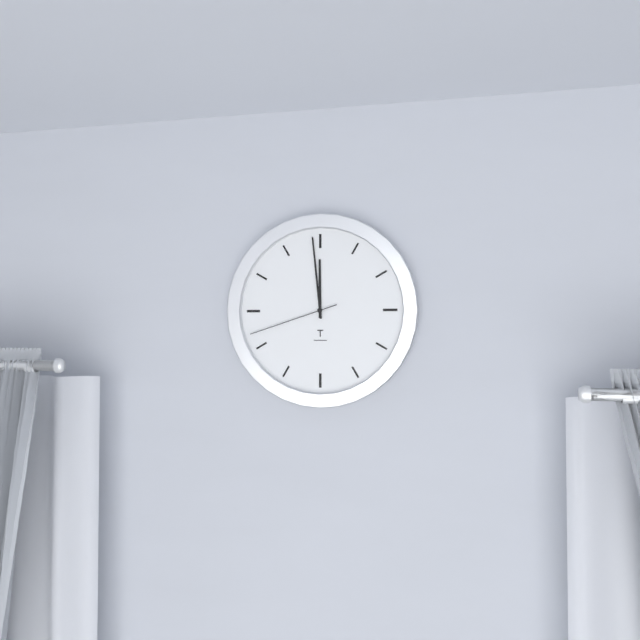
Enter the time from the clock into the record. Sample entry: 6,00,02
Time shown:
11,59,42
